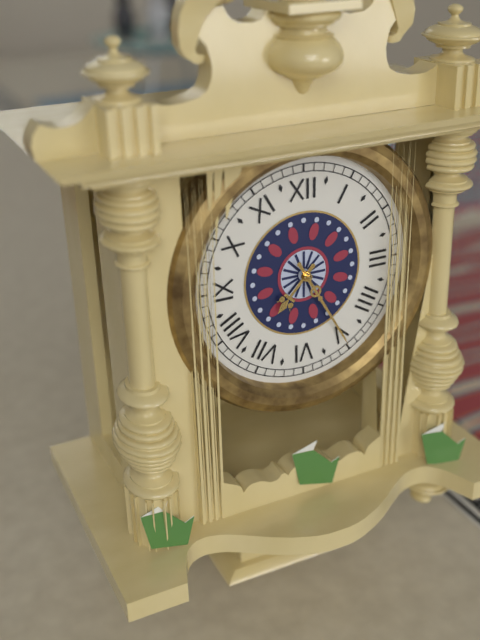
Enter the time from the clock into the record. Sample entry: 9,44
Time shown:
7,25
